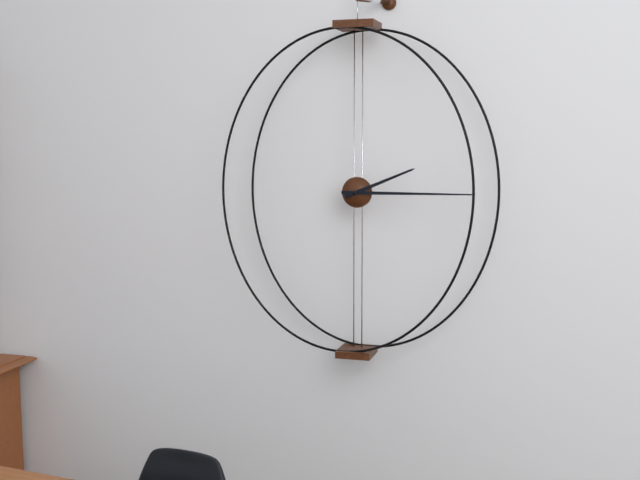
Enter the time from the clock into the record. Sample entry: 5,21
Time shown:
2,15
